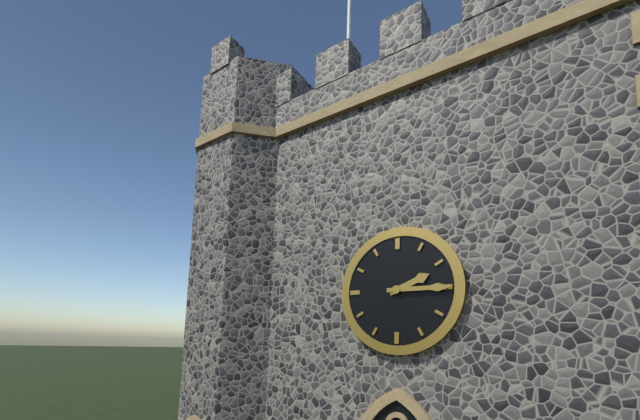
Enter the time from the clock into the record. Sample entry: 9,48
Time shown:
2,15
